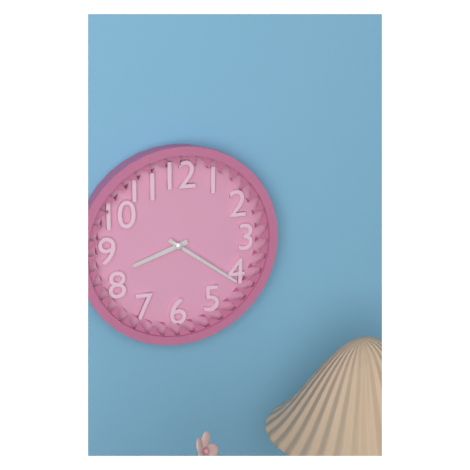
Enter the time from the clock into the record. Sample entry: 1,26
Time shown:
8,21
